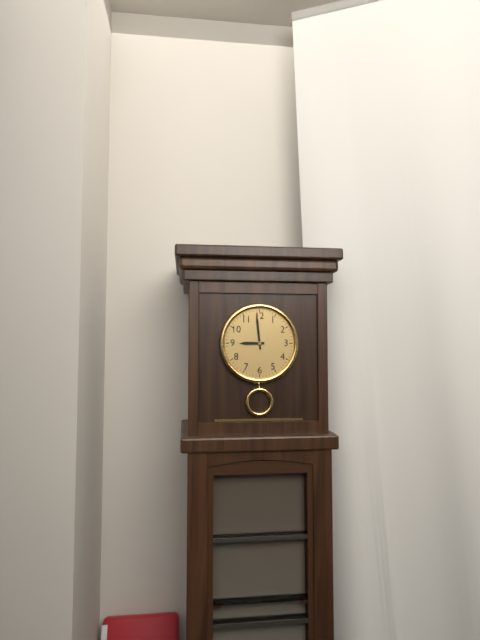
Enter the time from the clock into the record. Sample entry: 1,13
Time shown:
8,59
